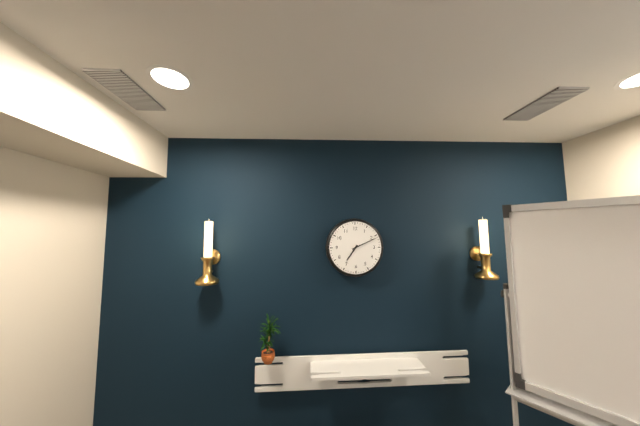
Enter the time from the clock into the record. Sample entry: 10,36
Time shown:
7,11
